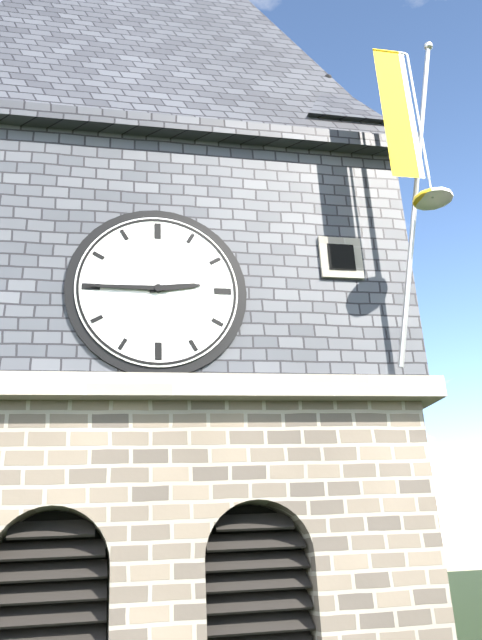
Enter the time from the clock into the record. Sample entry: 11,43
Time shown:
2,45
